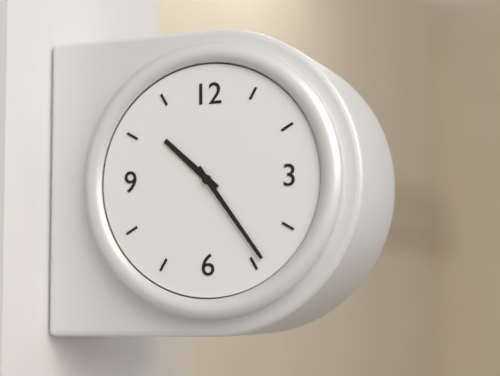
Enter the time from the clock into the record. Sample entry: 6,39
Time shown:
10,24
